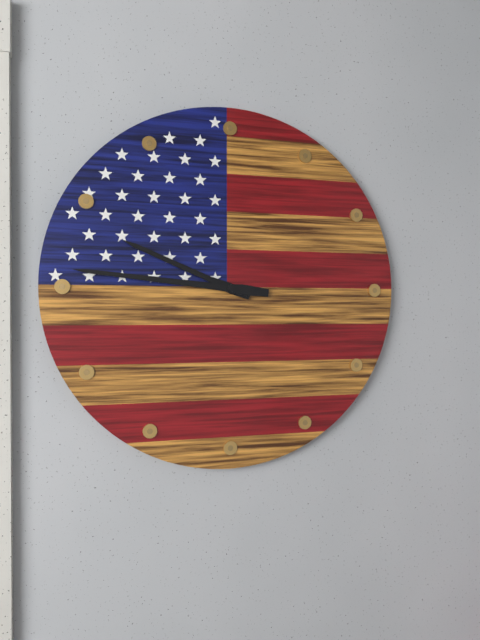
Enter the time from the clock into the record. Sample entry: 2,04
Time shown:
9,46
